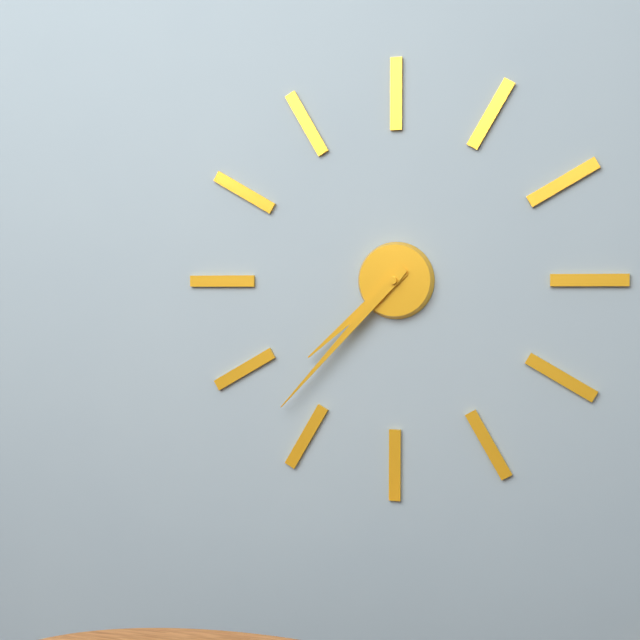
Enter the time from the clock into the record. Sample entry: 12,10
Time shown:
7,37
